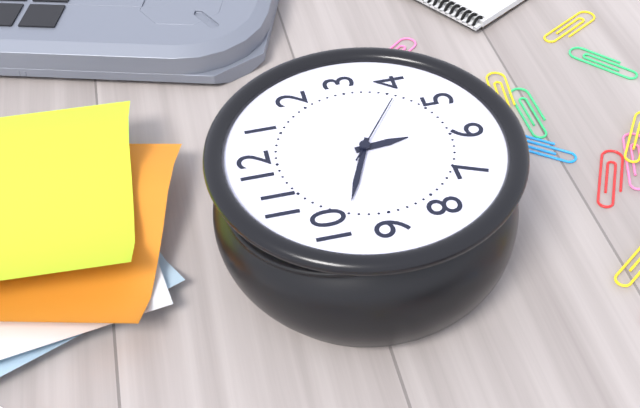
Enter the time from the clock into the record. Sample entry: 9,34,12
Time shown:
5,49,21
